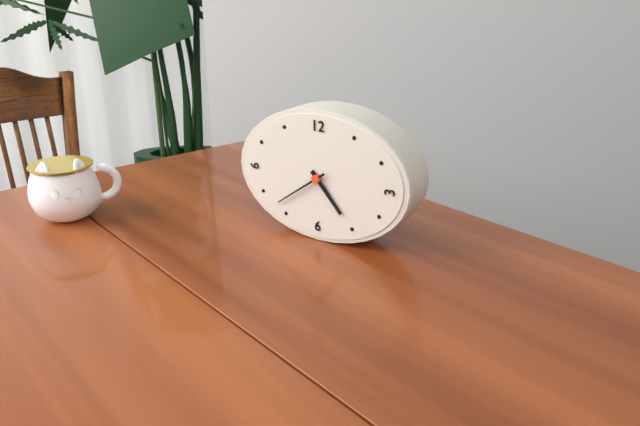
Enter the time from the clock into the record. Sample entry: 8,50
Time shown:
4,39
